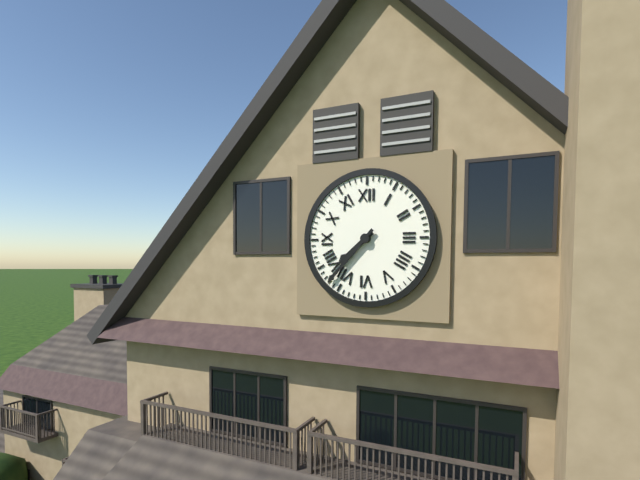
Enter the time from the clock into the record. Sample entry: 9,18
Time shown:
7,37
